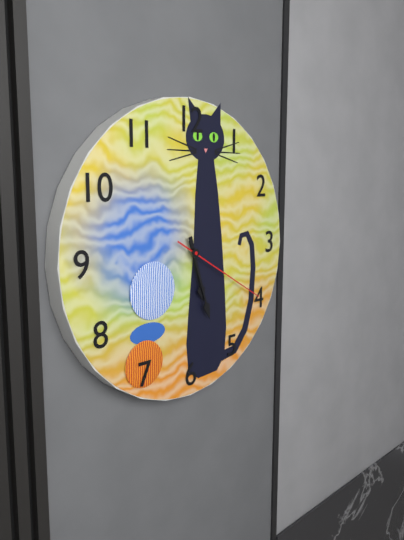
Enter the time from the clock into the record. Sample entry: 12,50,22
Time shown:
5,27,20
